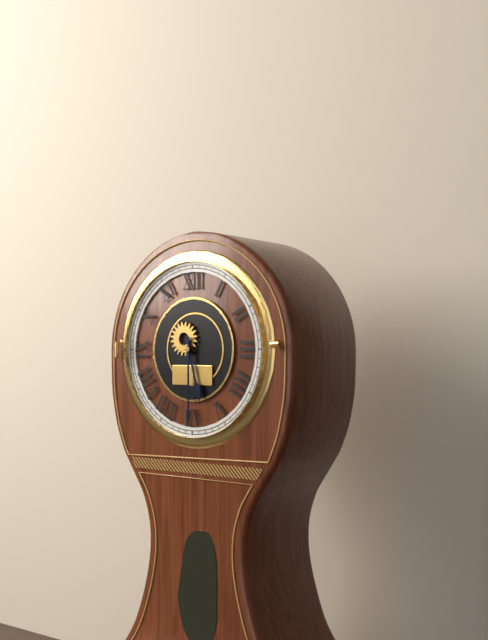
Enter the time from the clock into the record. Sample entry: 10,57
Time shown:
5,30
